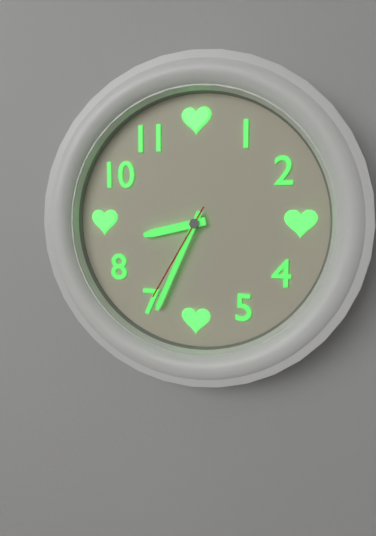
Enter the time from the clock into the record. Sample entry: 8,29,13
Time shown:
8,34,35
